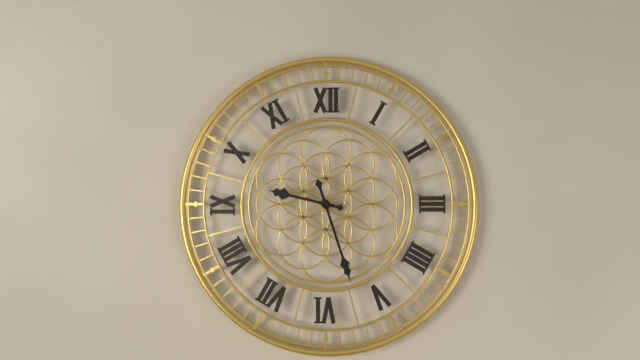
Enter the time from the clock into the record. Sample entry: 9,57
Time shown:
9,27
